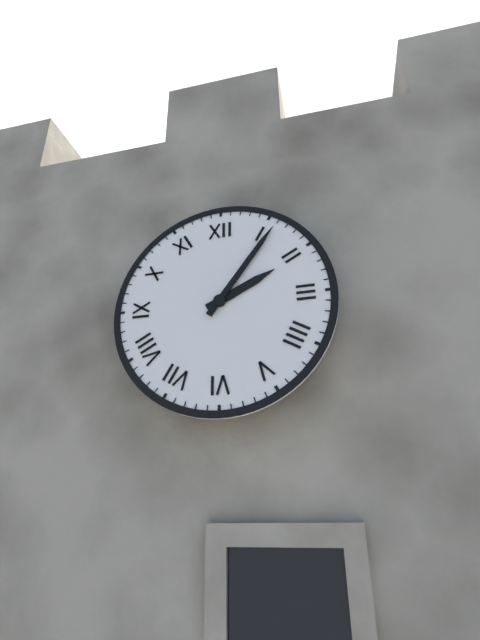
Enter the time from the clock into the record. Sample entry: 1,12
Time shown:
2,06
